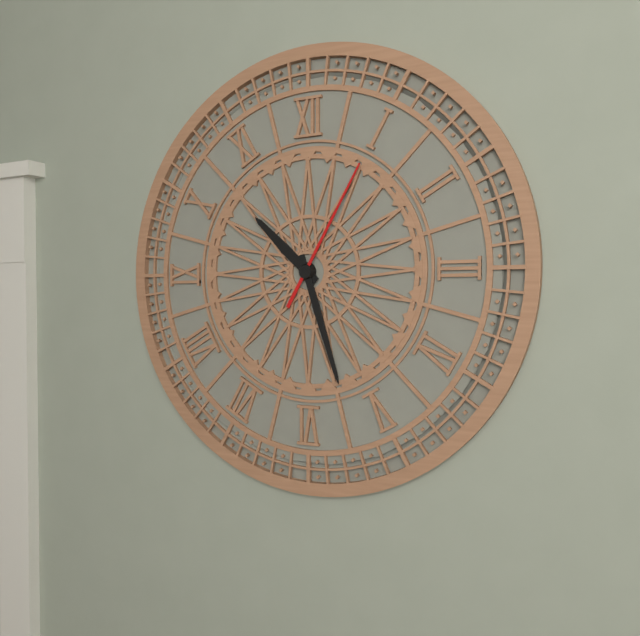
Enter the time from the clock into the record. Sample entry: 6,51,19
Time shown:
10,27,05
